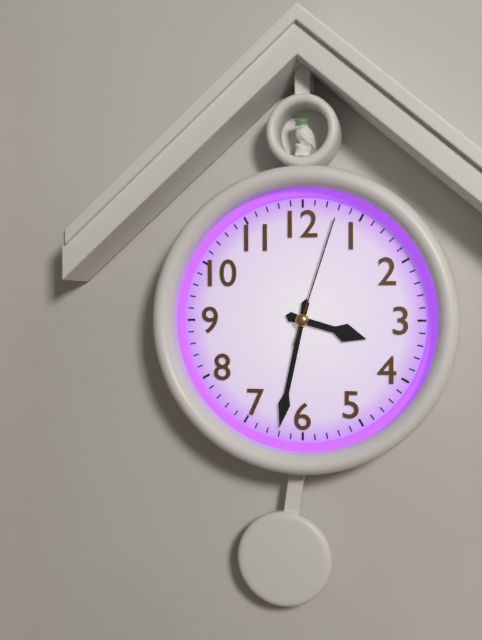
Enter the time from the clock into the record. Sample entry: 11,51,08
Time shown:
3,32,03
